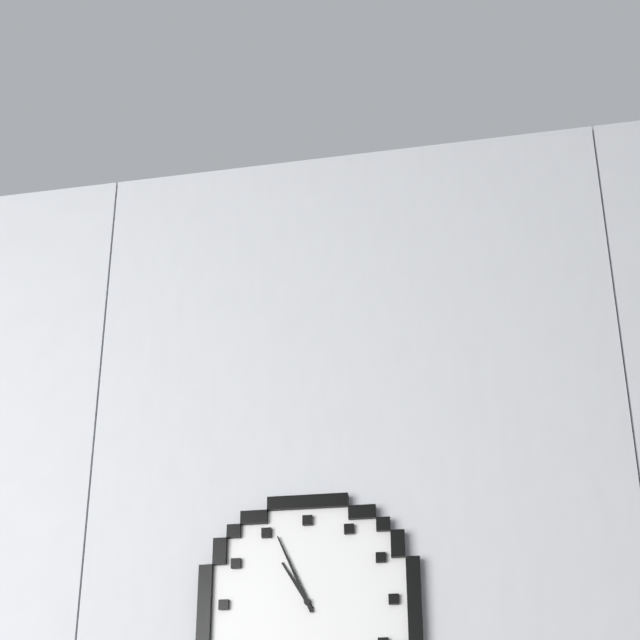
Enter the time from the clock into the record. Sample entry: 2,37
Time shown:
10,56
